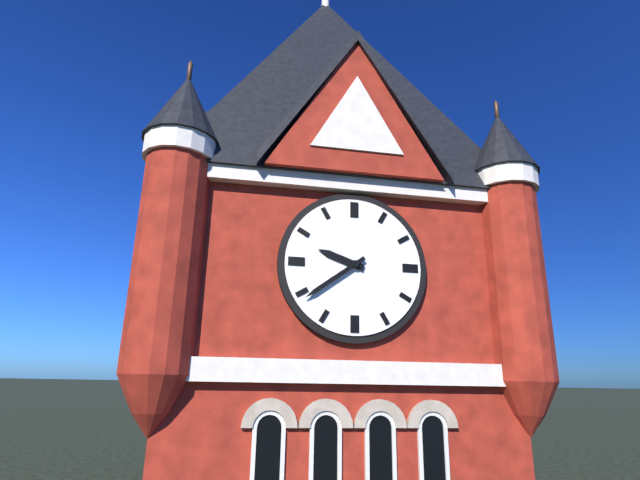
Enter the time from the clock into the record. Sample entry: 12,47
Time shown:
9,39
